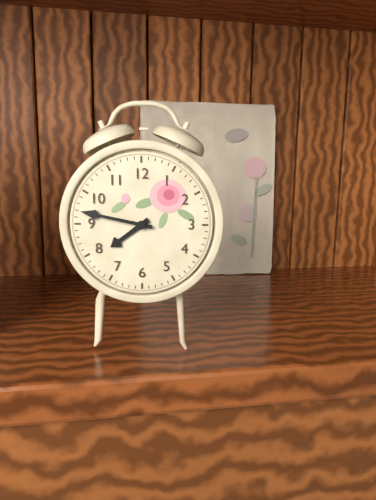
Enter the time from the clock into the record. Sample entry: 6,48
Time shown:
7,47
